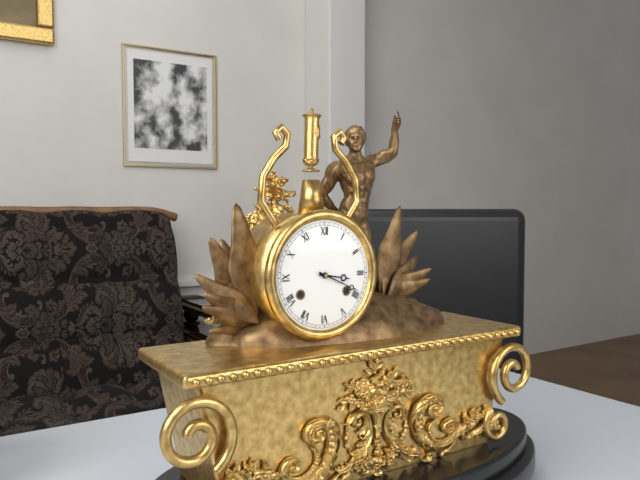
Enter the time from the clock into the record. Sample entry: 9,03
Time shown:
3,19
